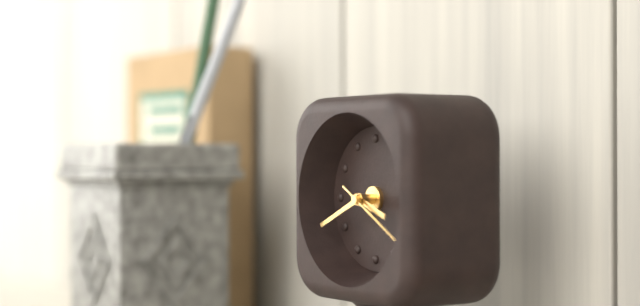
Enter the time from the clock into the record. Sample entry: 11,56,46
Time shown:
3,41,20
